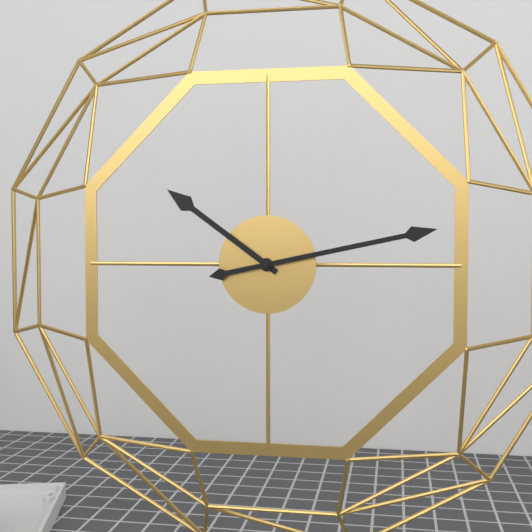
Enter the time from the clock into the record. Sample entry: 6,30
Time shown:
10,13
